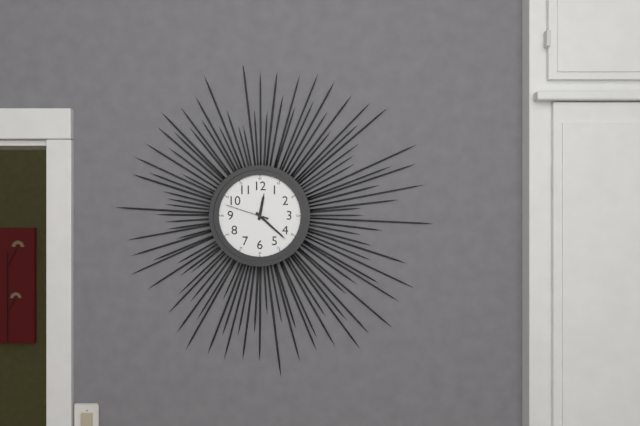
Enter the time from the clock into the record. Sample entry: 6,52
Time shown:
12,22
